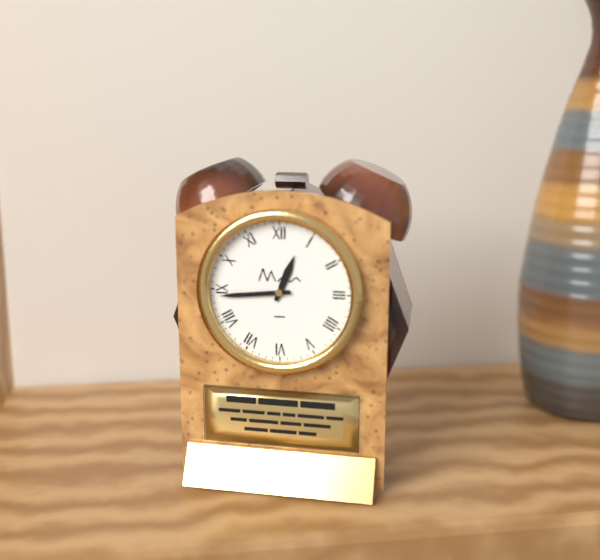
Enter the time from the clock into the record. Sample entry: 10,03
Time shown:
12,44
